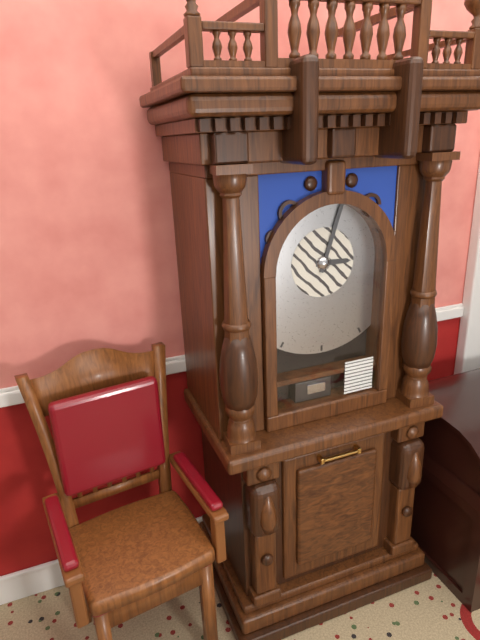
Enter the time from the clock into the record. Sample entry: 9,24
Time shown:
3,03
